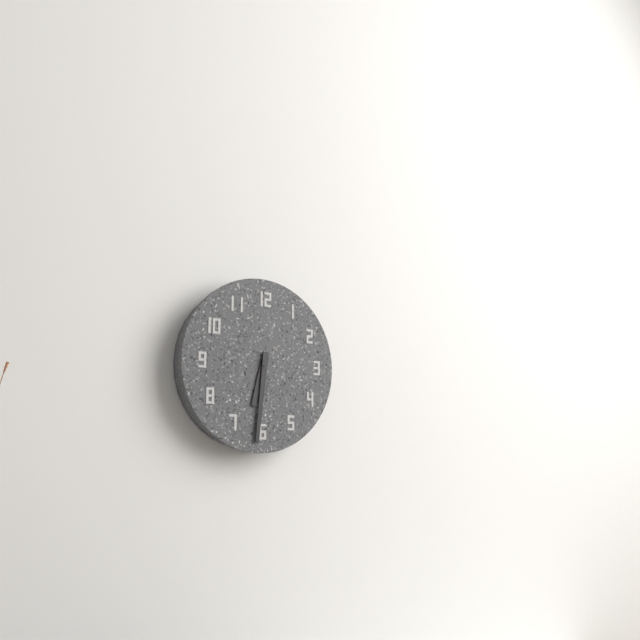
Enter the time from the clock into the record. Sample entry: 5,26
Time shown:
6,31
